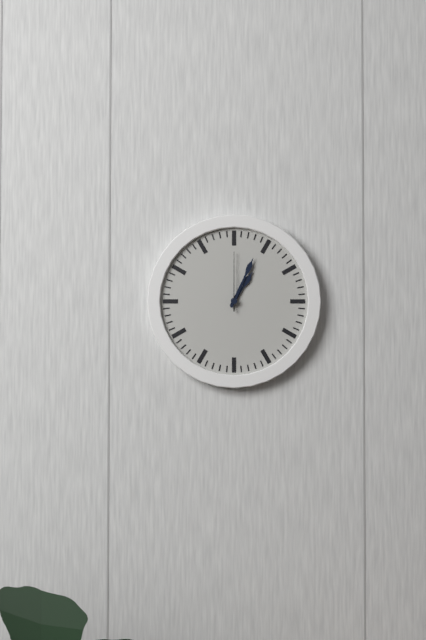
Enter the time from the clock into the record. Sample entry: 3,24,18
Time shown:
1,04,00
